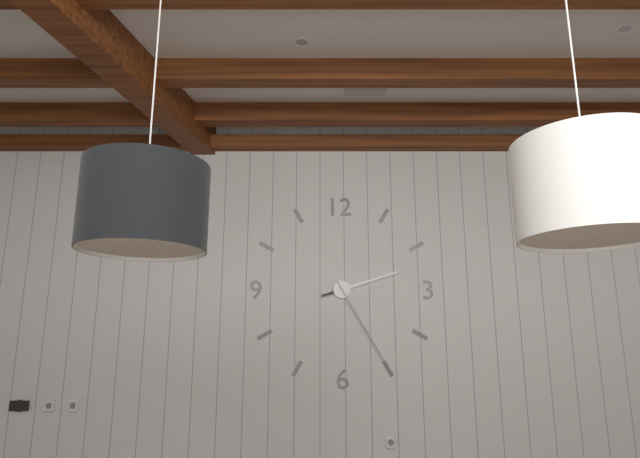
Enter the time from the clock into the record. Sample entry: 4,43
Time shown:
2,25
